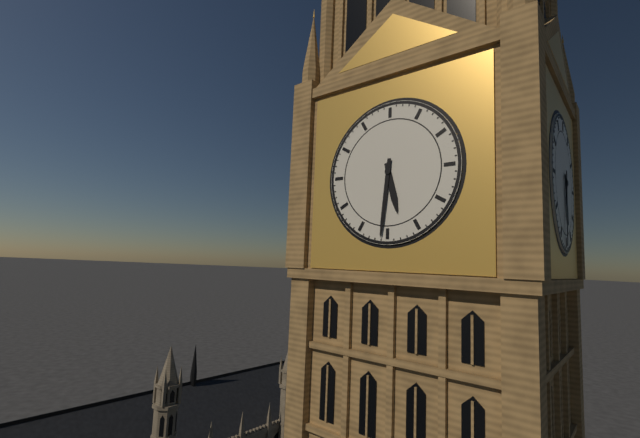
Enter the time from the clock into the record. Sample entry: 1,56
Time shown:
5,31
